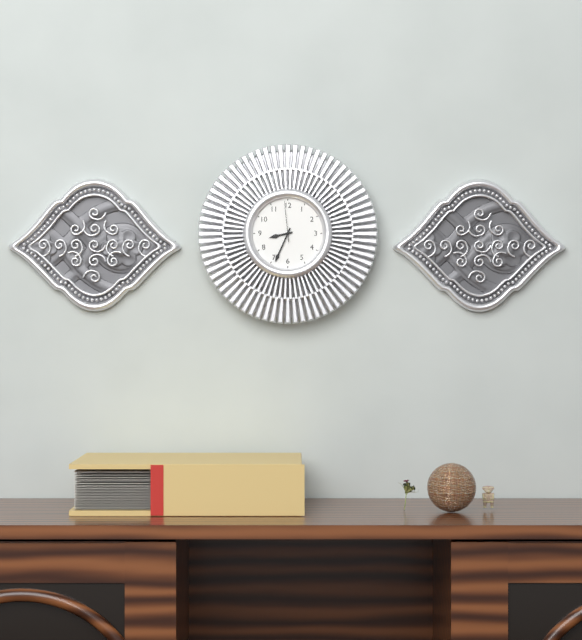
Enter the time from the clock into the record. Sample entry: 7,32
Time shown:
8,34
